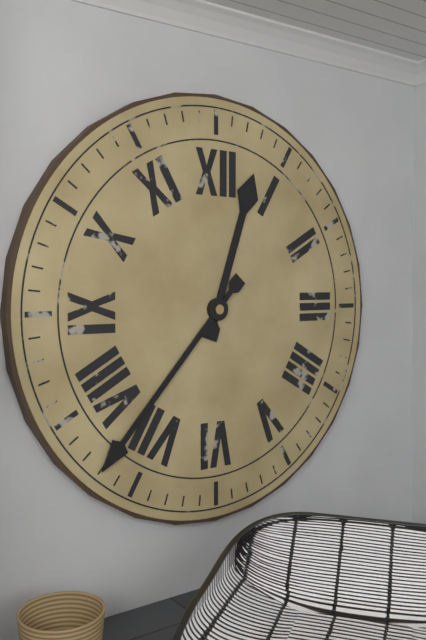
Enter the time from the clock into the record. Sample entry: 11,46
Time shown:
12,37
